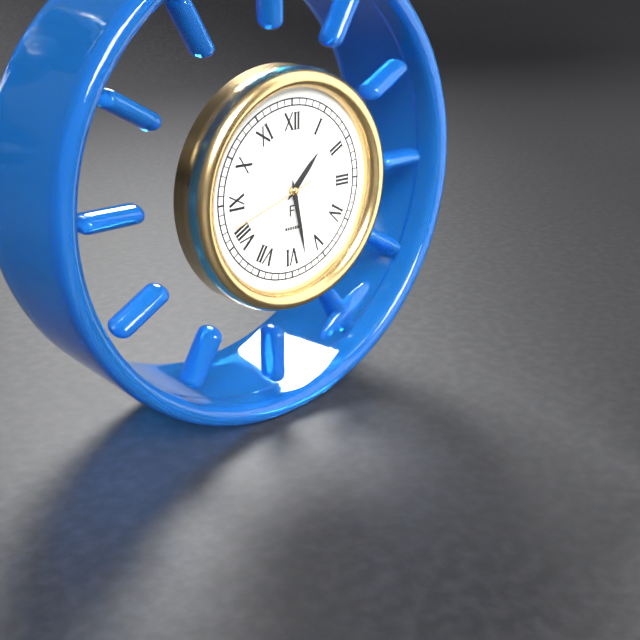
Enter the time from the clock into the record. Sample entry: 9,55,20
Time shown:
1,28,42
